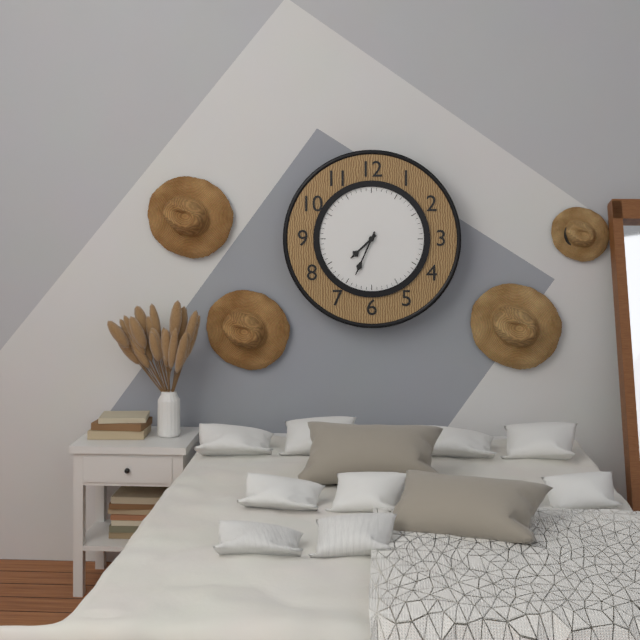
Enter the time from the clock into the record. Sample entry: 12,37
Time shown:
7,34
